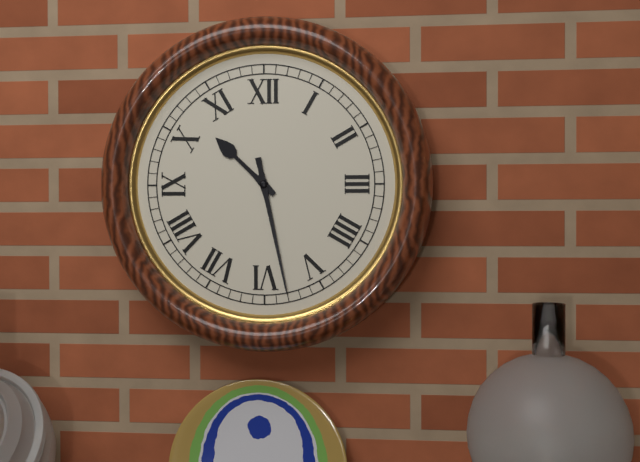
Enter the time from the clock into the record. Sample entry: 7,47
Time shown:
10,28
